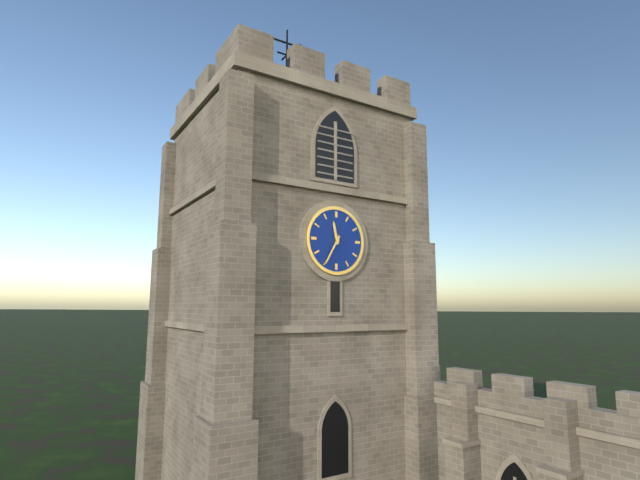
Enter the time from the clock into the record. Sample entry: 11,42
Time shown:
11,35
